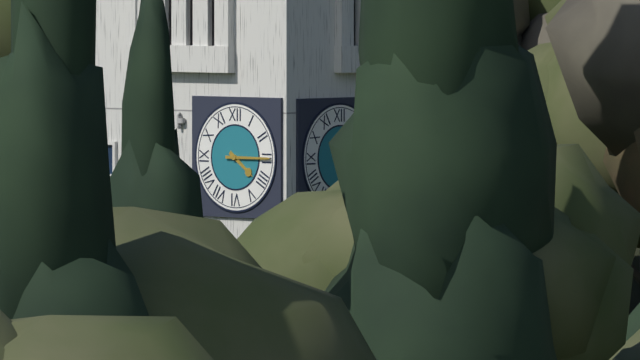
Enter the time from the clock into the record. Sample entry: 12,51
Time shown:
4,15
